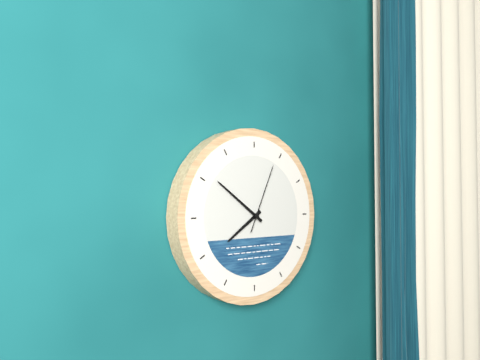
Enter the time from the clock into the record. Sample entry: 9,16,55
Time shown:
7,51,04
